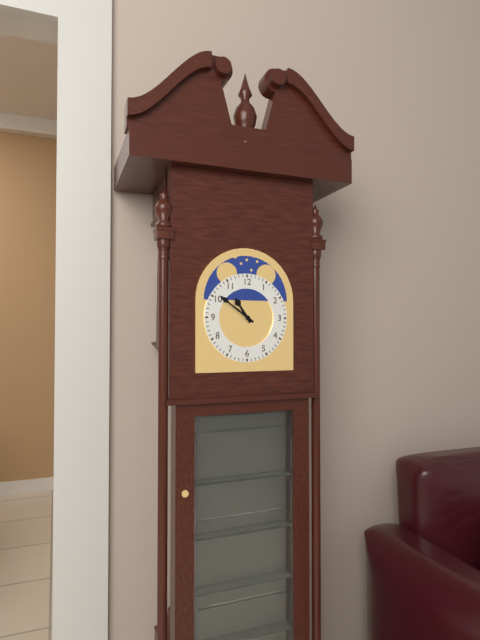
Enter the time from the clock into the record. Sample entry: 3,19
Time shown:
10,51
